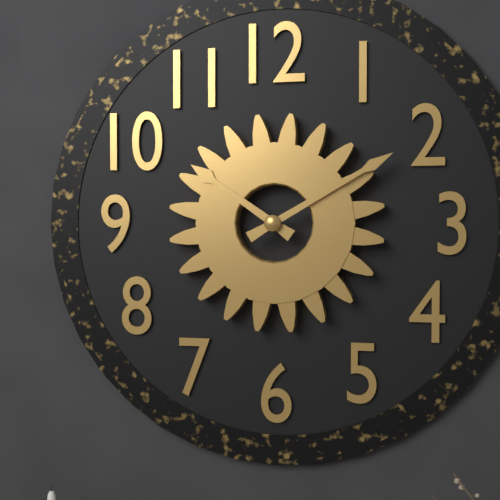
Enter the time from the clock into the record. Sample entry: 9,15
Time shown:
10,10
